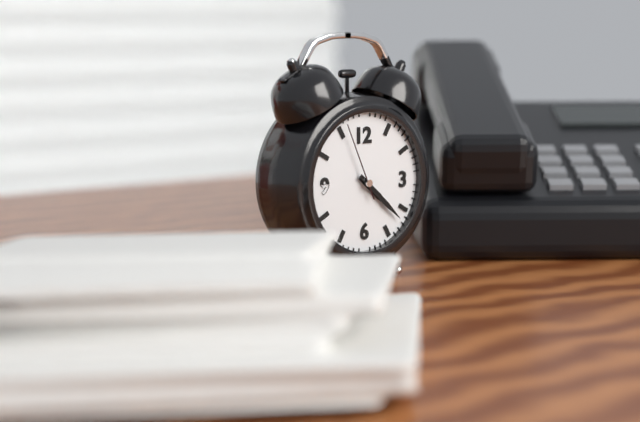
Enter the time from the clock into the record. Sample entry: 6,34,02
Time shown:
4,22,56
